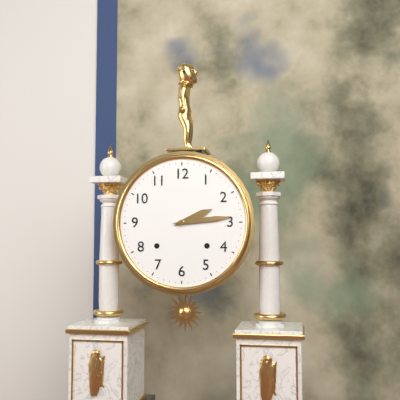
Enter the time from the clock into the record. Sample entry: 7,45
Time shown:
2,14
